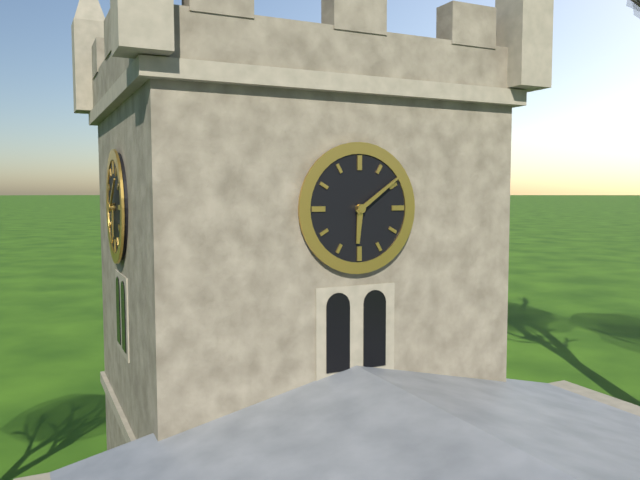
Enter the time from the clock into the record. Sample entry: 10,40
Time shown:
6,09
